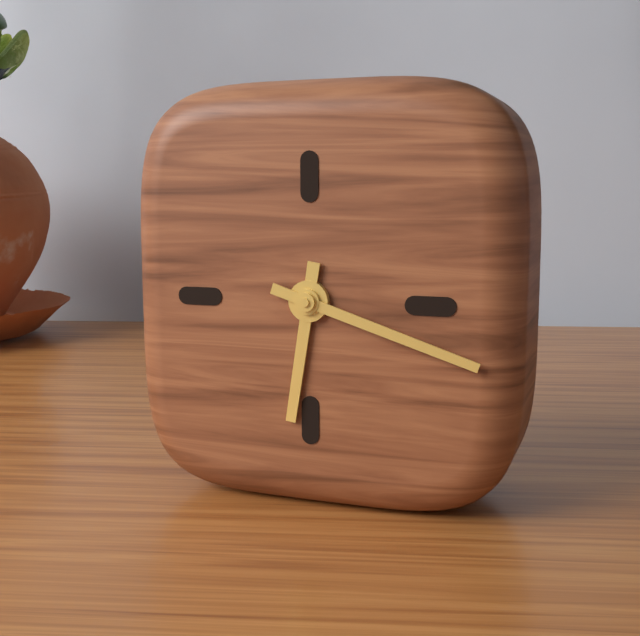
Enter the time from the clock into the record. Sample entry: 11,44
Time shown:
6,18
